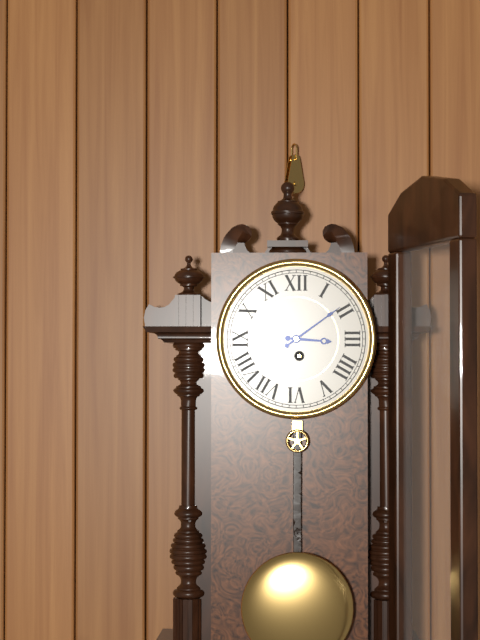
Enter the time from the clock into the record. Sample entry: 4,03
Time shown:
3,09
